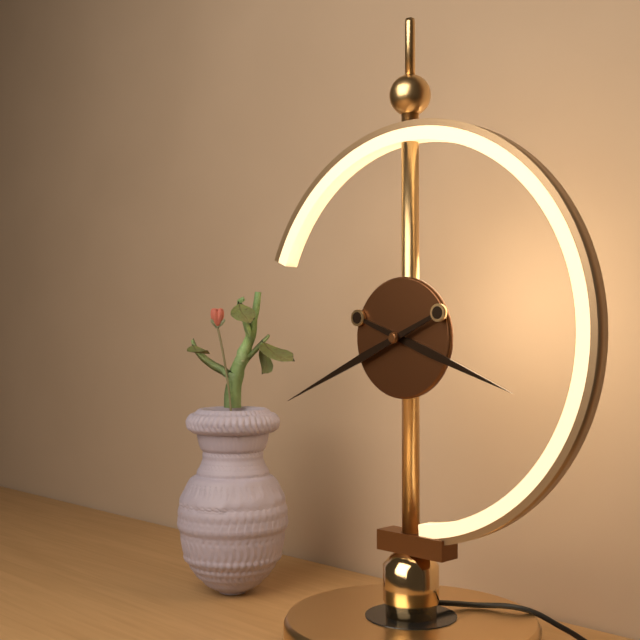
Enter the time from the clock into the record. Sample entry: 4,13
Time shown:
3,41
